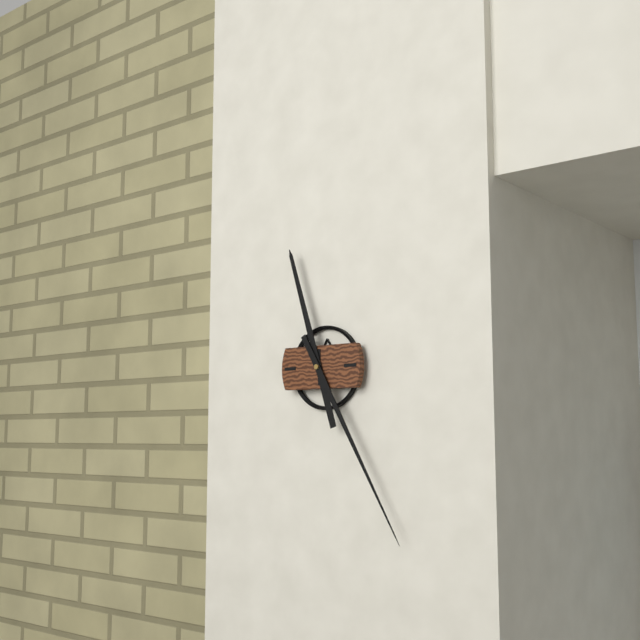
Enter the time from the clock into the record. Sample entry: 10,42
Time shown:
11,25
